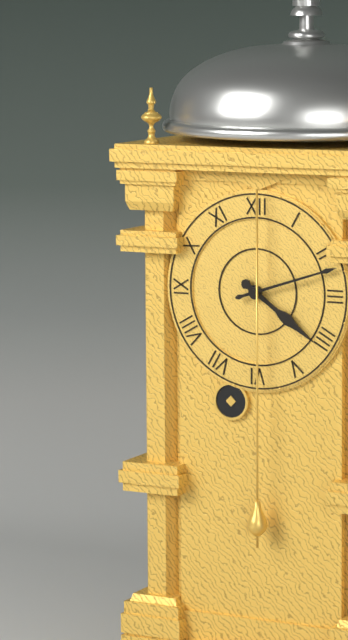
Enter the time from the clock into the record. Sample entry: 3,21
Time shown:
4,12
